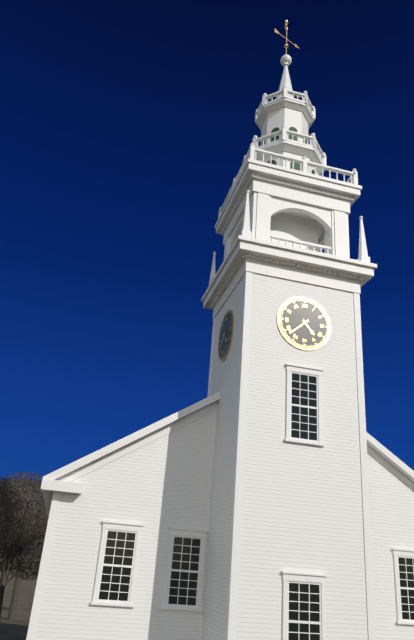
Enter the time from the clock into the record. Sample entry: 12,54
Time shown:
4,38
